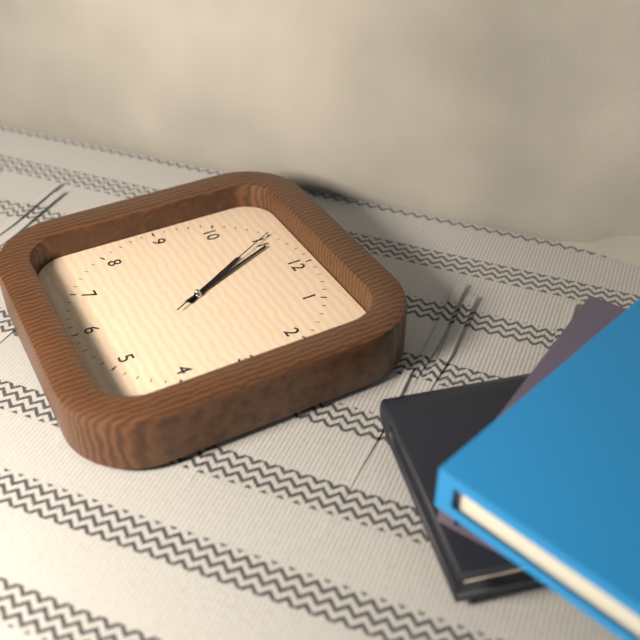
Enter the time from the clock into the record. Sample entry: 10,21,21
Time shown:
10,56,55
